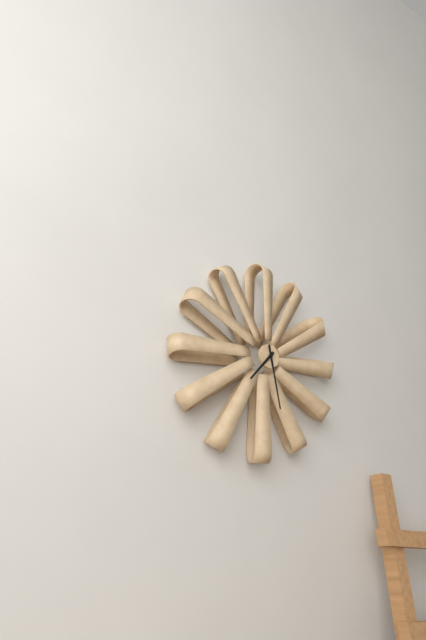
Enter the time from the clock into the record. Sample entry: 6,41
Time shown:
7,28
